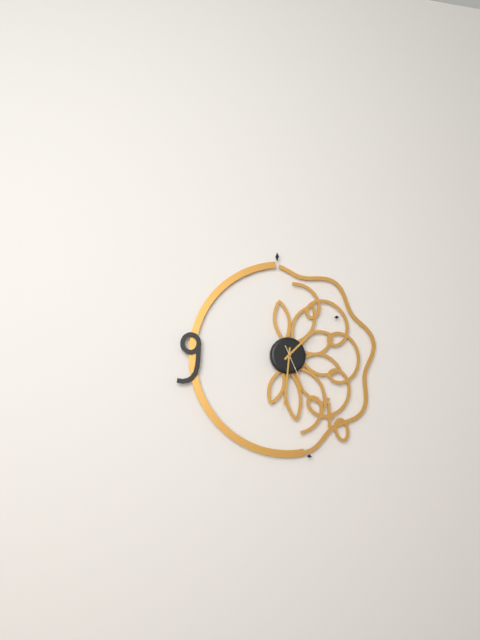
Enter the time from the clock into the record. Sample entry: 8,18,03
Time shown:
1,31,26
